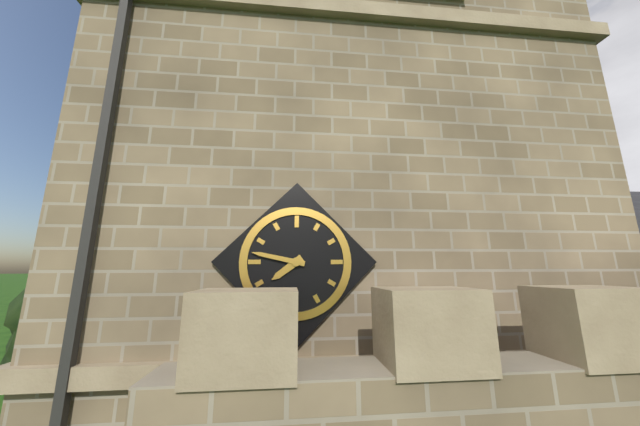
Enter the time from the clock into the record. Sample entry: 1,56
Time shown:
7,47
